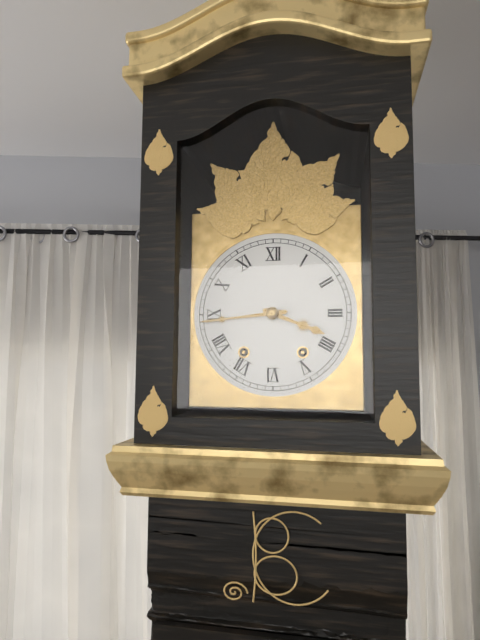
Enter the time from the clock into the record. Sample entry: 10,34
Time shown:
3,44
